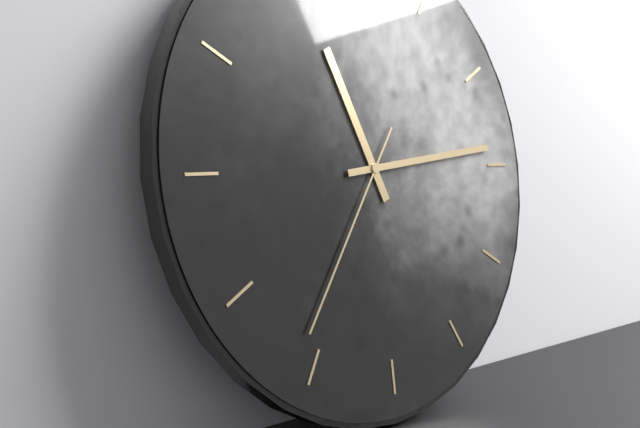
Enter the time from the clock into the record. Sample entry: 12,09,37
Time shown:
11,14,36
